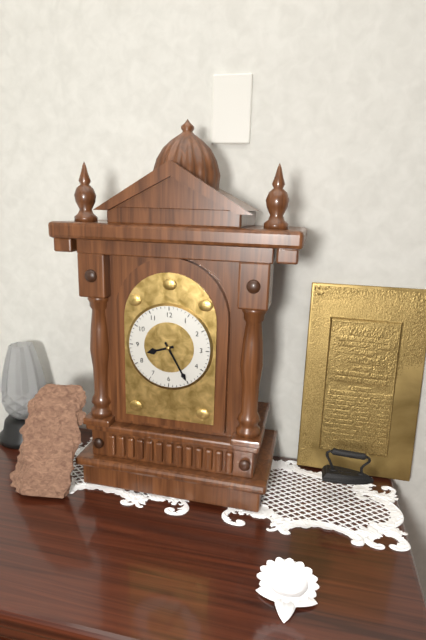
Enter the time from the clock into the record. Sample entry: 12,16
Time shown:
8,25
